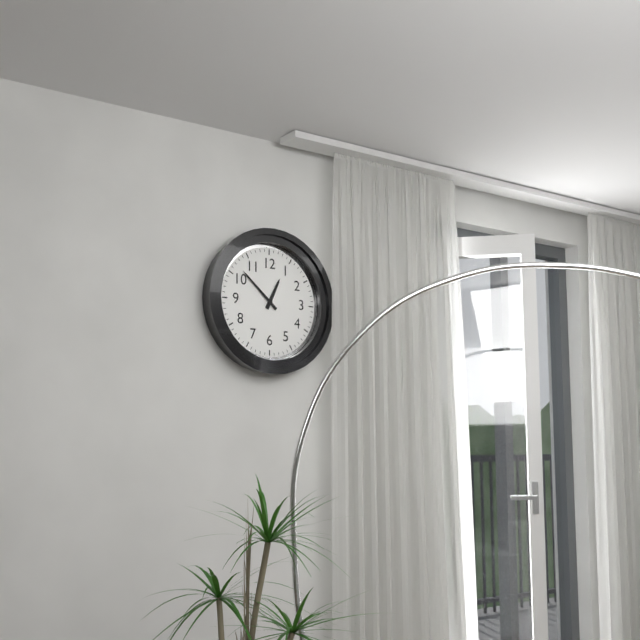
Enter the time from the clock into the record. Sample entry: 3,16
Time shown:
12,52
